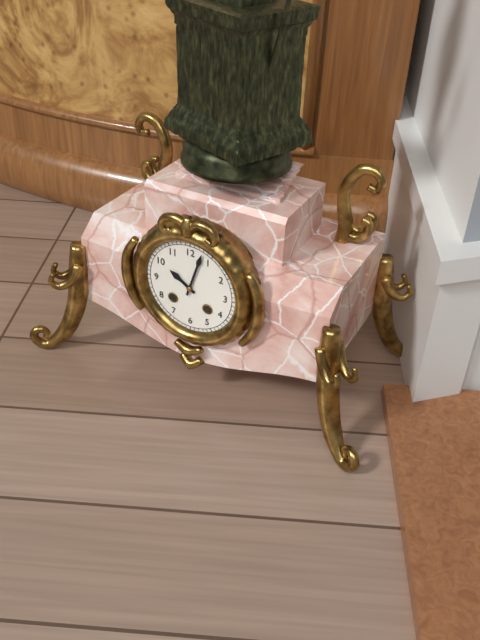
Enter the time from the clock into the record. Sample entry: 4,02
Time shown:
10,03
